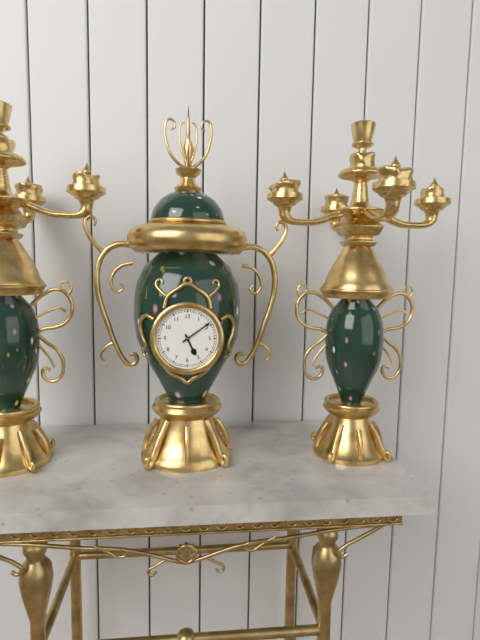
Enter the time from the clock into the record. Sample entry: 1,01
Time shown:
5,09
